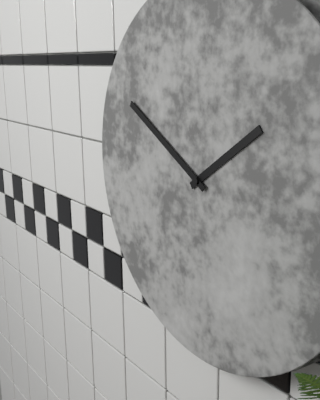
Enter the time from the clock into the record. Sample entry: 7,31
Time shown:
1,50
